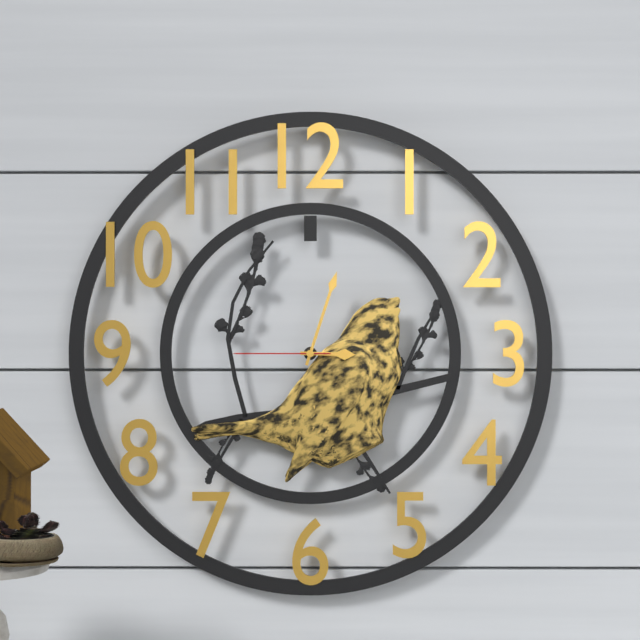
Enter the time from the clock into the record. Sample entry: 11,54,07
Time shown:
3,03,45
